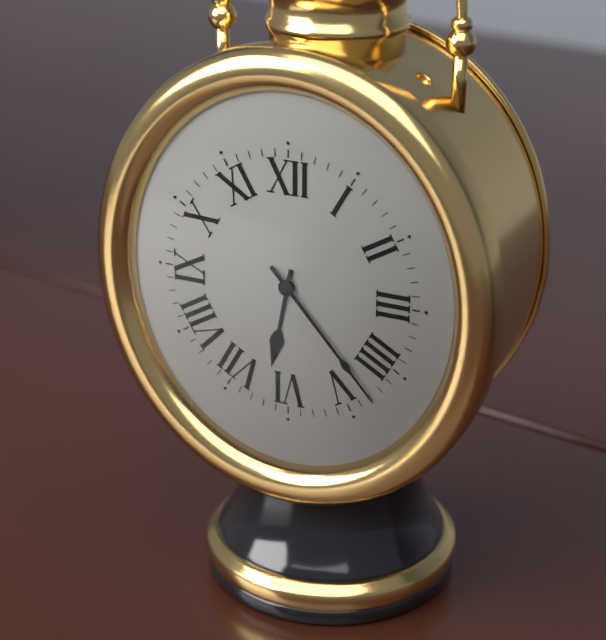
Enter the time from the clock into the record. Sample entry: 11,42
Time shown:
6,23
